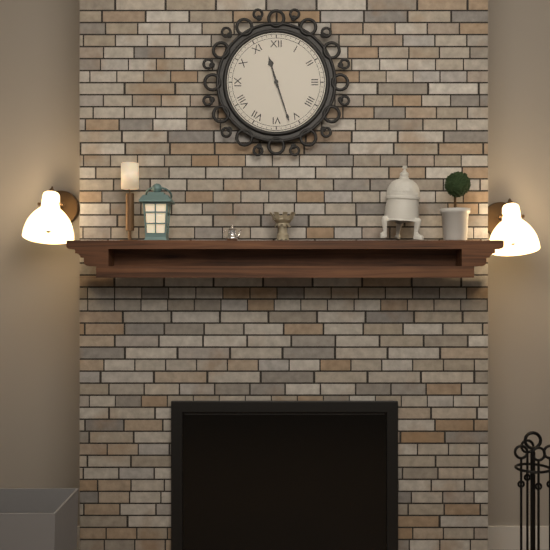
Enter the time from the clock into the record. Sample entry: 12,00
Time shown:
11,27
